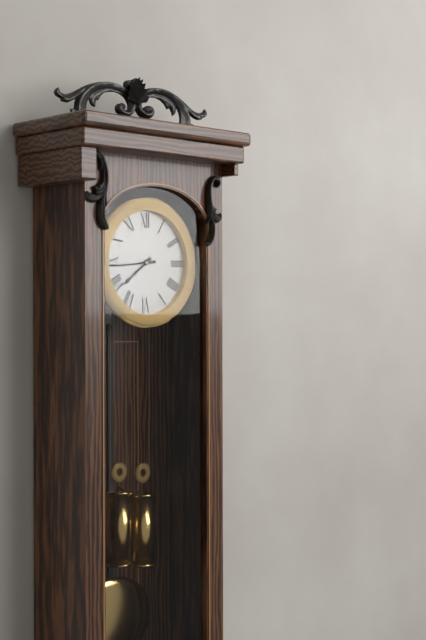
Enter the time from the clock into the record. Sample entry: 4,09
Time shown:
7,44
